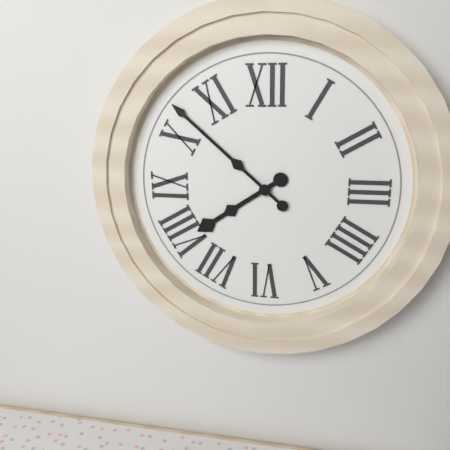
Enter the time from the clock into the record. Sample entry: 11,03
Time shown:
7,52
